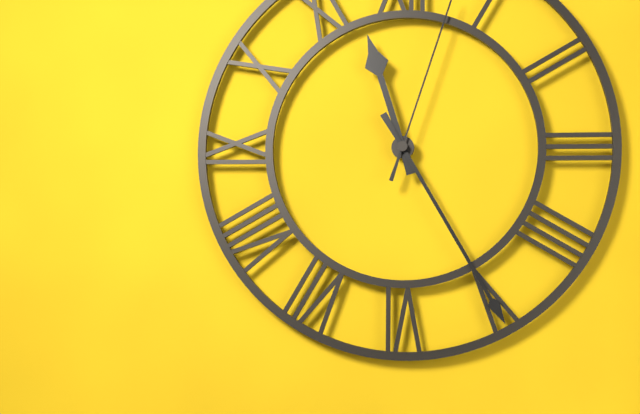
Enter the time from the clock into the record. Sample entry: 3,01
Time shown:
11,25
